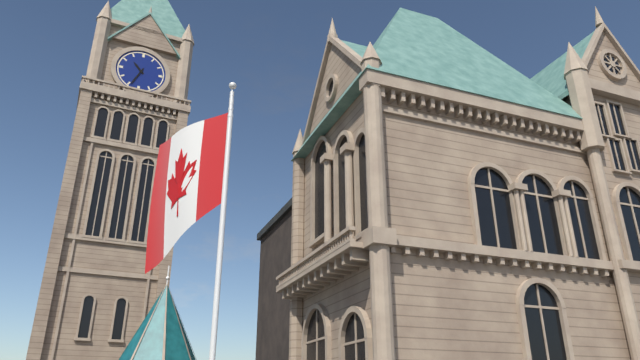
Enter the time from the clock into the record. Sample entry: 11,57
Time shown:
10,34
